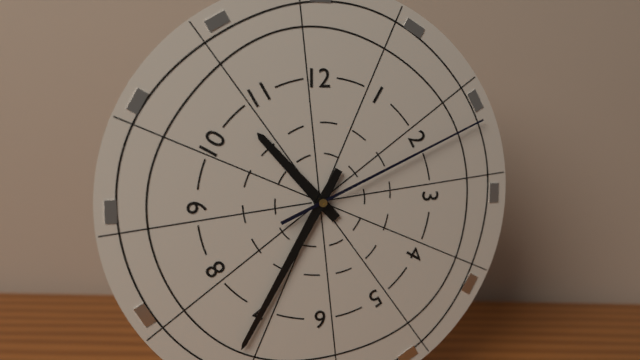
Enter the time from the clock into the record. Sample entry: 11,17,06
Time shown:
10,35,11
